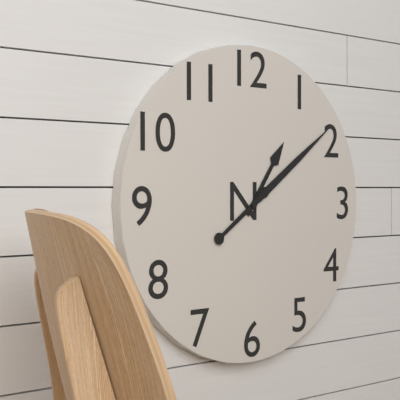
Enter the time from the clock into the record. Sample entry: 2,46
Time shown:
1,09
